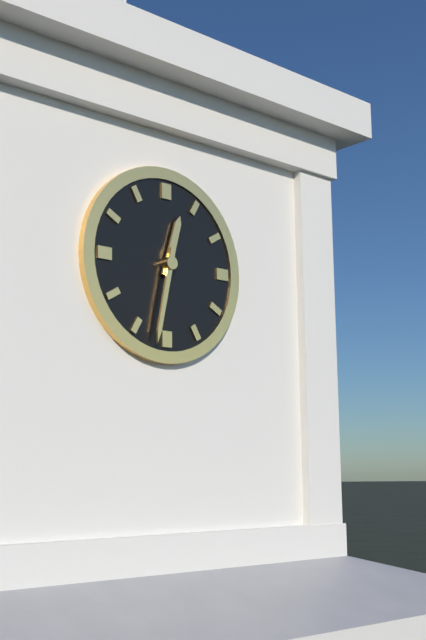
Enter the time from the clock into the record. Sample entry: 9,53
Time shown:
12,32
